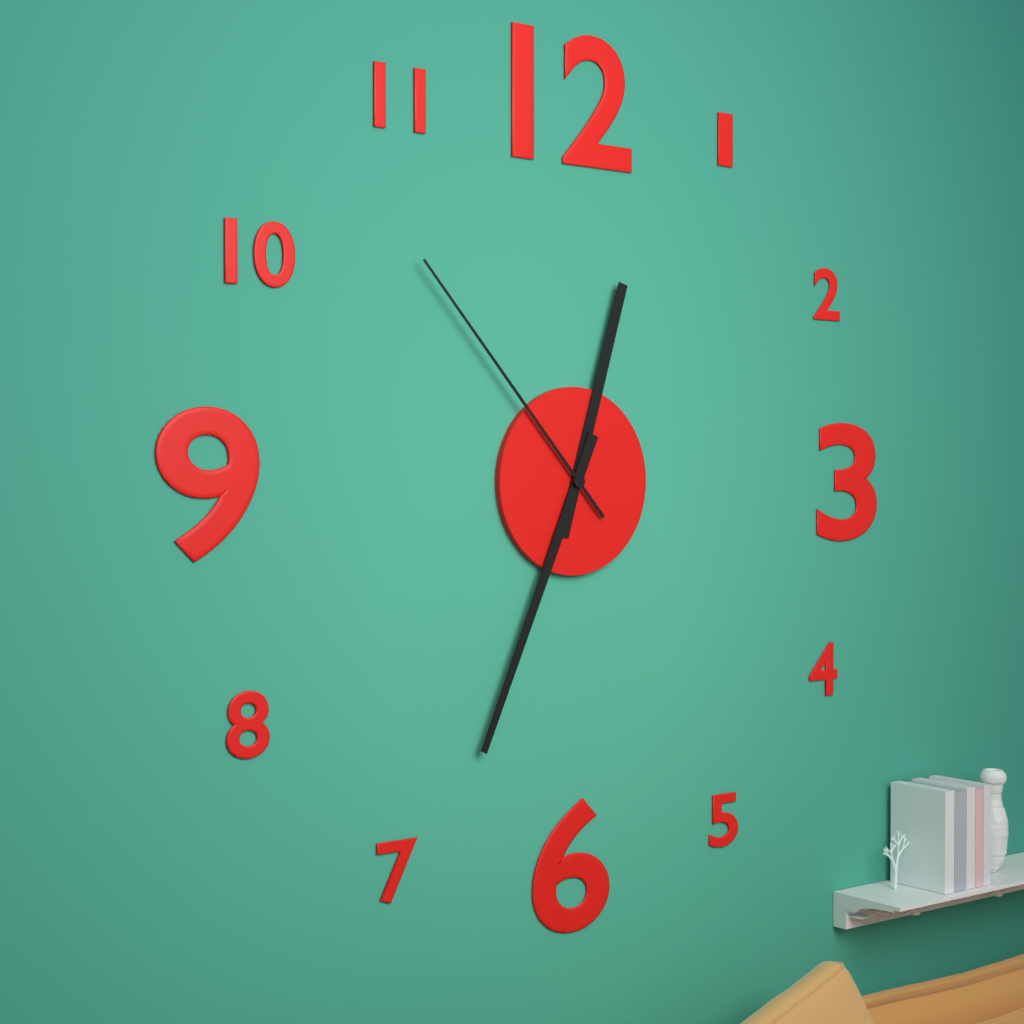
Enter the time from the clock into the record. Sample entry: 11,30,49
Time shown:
12,34,53
